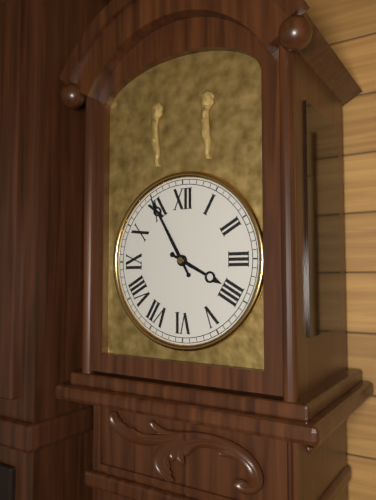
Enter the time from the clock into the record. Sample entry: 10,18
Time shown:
3,55
